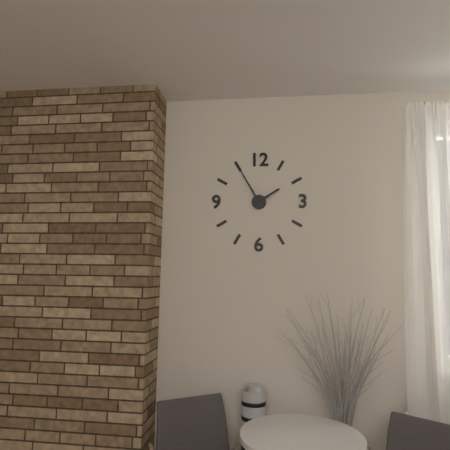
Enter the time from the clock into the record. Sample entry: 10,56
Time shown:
1,55
